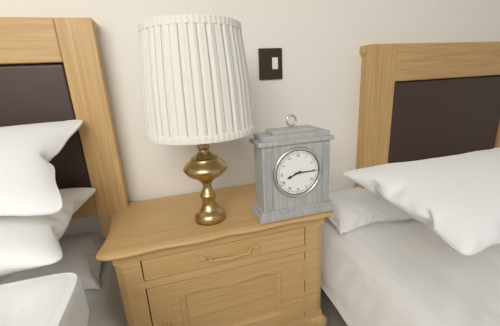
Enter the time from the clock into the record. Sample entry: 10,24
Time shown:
8,15
